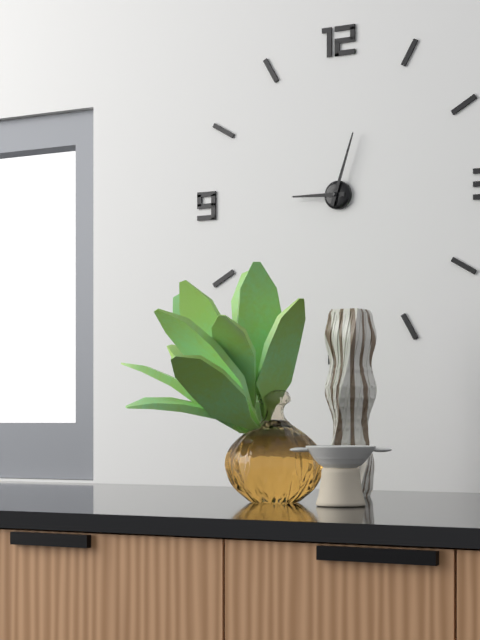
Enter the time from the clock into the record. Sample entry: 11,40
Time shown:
9,03
